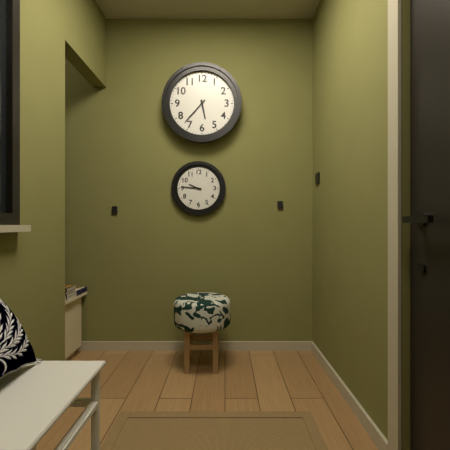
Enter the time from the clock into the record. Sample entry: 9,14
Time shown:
5,37
